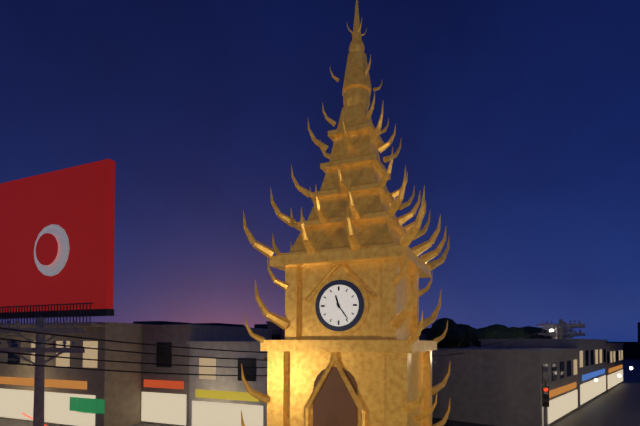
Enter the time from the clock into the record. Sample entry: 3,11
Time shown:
11,24
